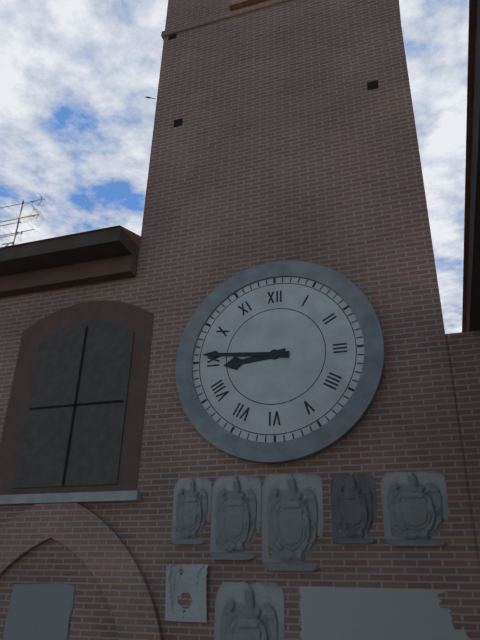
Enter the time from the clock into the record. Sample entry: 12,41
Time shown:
8,46
